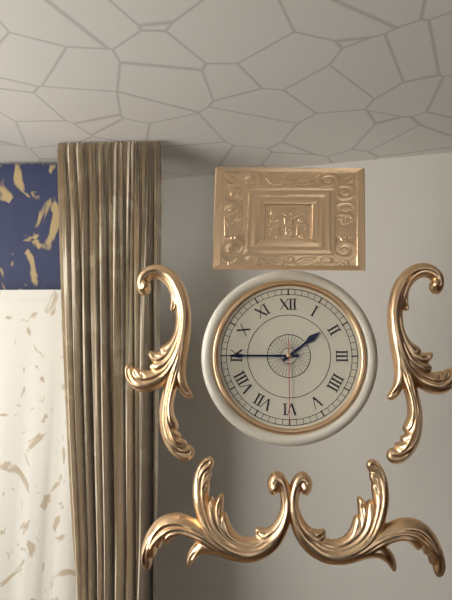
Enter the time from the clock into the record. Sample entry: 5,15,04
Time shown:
1,45,30
